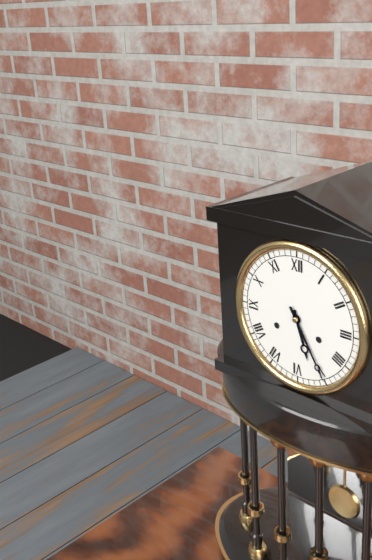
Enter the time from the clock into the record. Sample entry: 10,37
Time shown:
5,25
